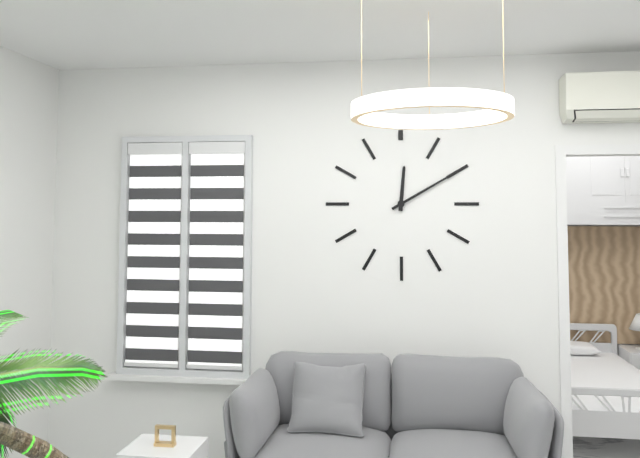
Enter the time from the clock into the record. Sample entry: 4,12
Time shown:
12,10
